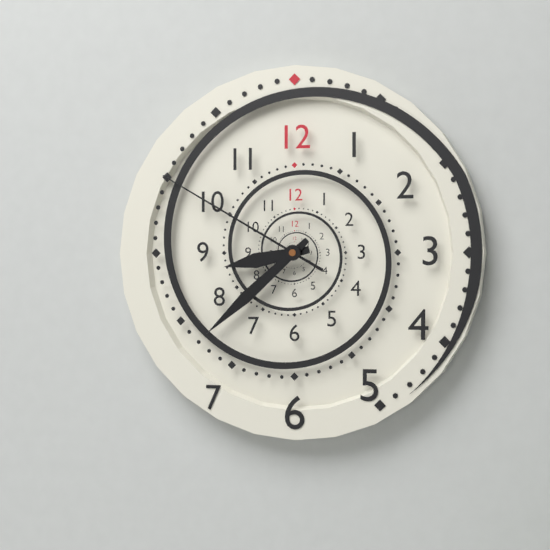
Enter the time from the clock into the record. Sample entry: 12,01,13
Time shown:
8,38,50
